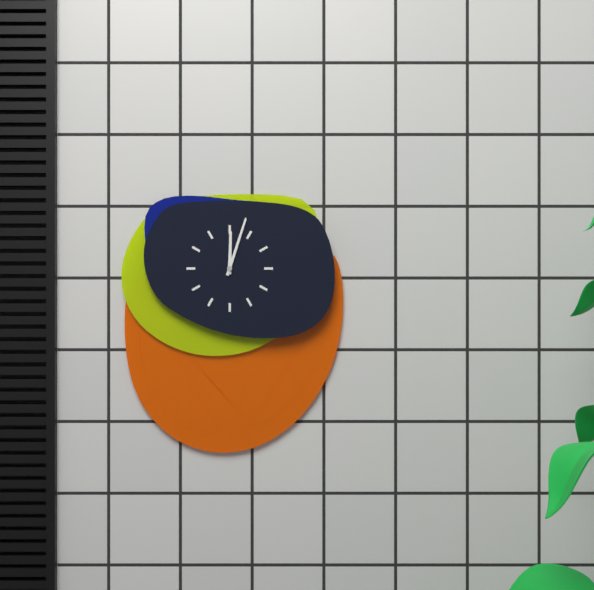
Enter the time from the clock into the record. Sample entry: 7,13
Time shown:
12,03
